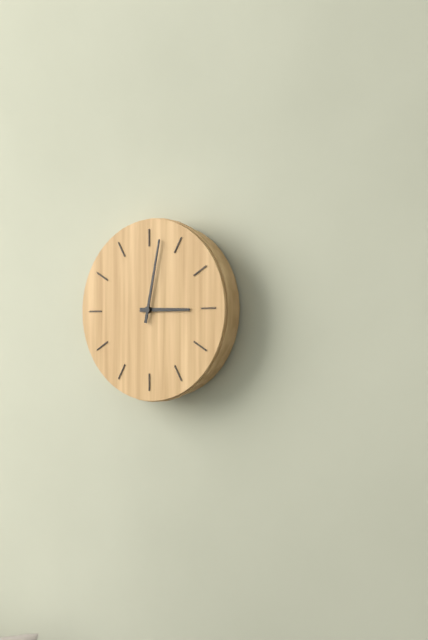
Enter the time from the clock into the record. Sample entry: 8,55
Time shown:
3,02
